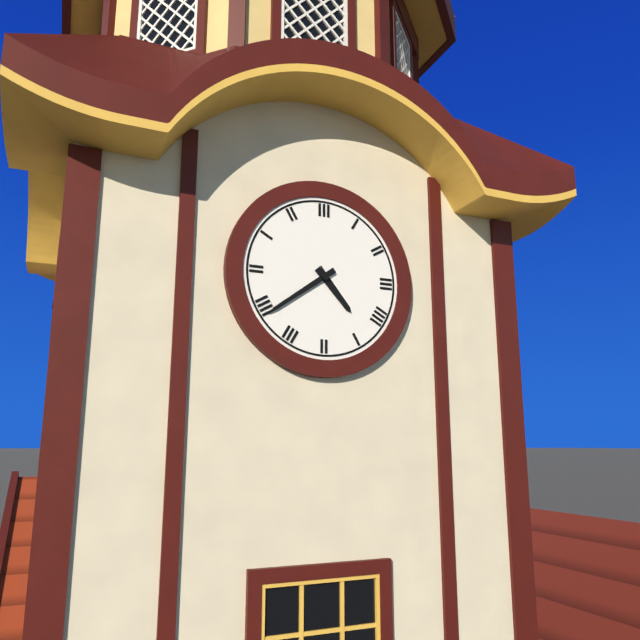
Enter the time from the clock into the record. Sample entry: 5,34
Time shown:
4,39
